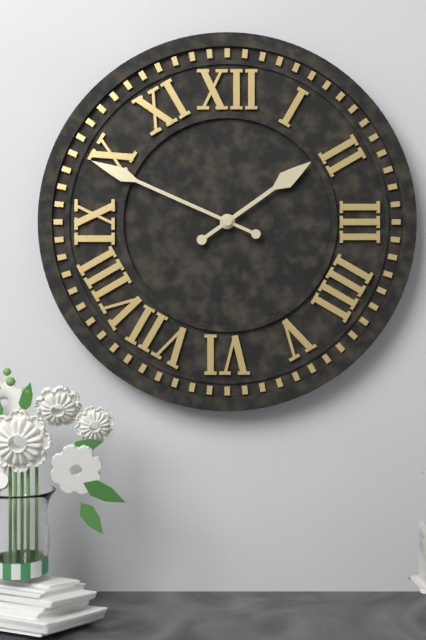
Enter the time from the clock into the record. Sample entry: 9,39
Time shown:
1,49
